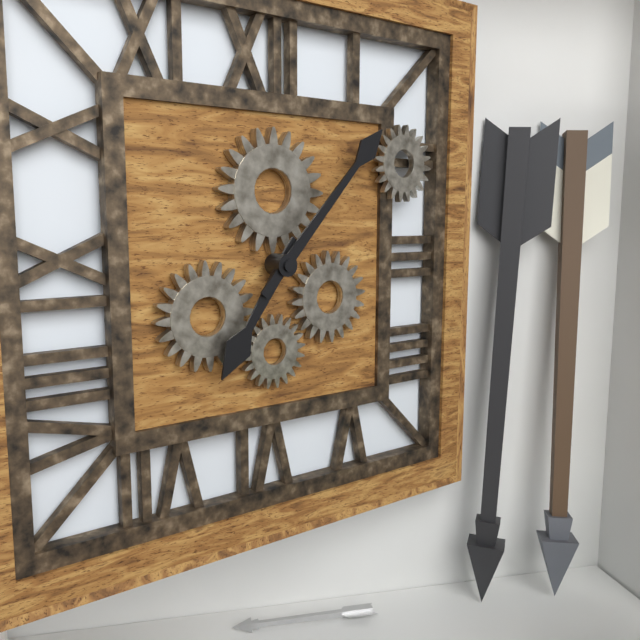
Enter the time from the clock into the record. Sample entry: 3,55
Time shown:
7,07
